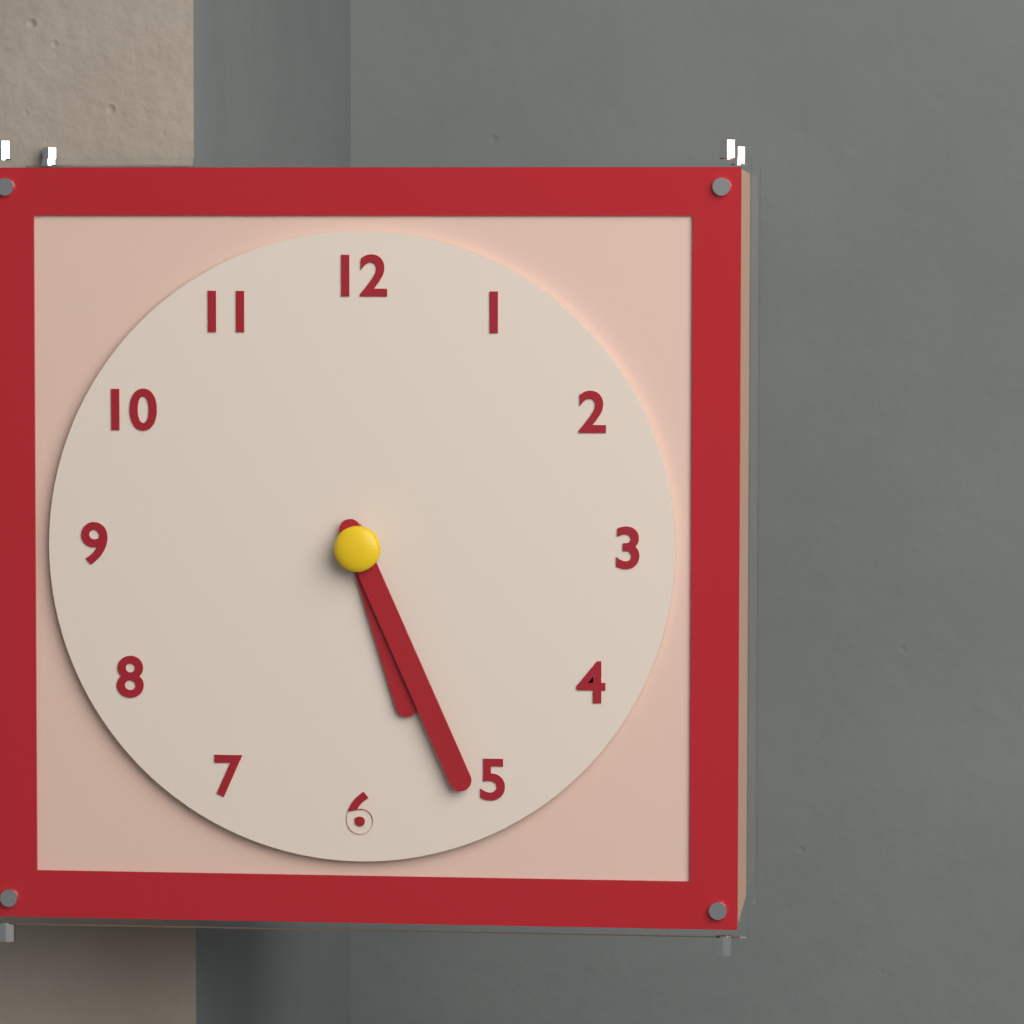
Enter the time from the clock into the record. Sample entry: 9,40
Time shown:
5,26
